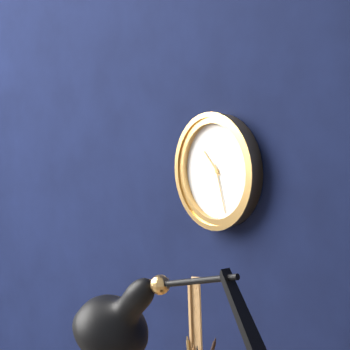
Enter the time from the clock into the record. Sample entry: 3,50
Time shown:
10,27
